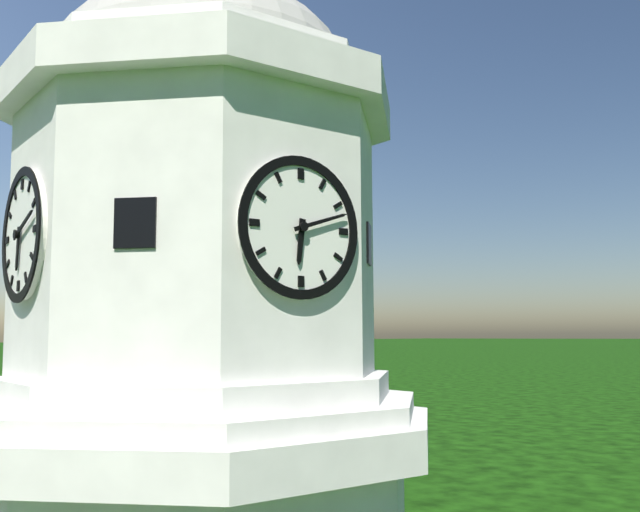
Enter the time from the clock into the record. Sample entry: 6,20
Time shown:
6,12
